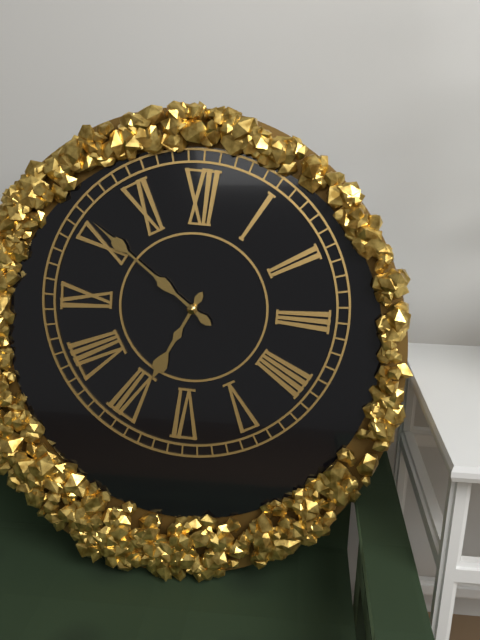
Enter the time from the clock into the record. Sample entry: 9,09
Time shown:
6,51
